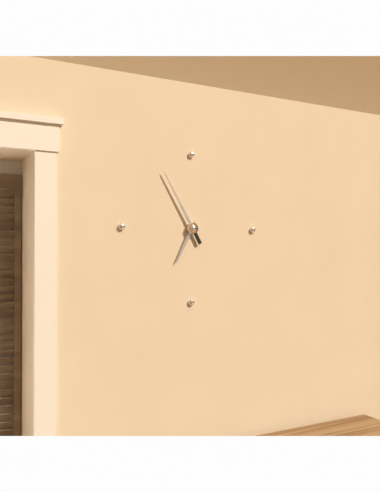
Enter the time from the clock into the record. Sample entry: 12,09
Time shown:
6,55
